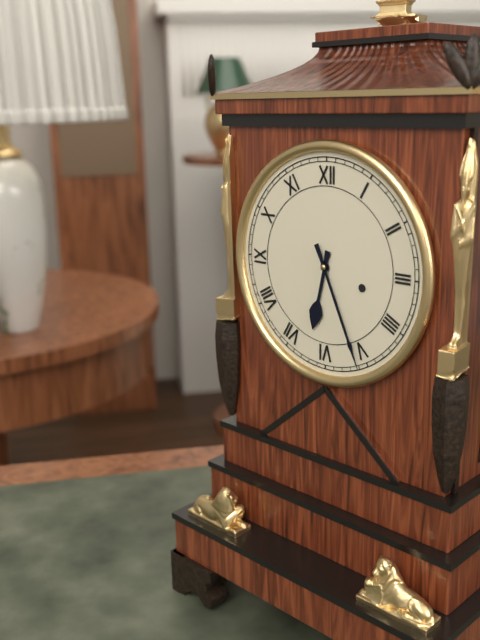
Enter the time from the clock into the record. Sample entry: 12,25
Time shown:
6,26
